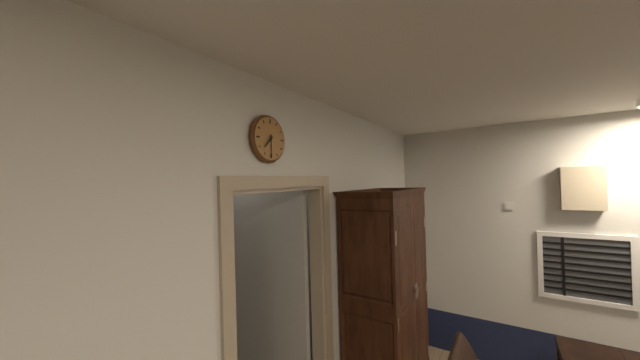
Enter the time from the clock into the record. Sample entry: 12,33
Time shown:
7,30
